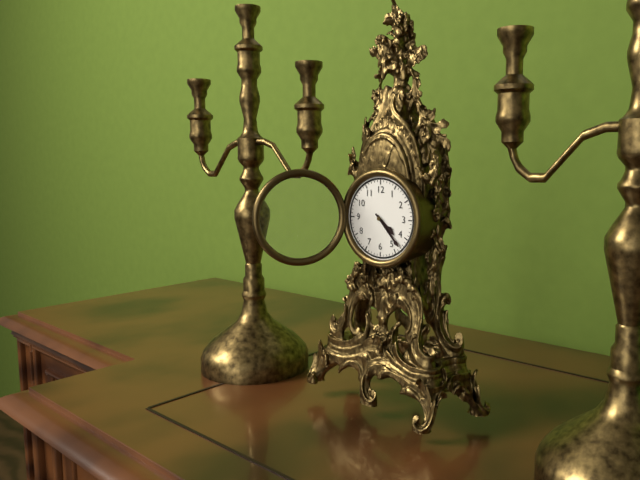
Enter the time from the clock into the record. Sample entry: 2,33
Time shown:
4,23
